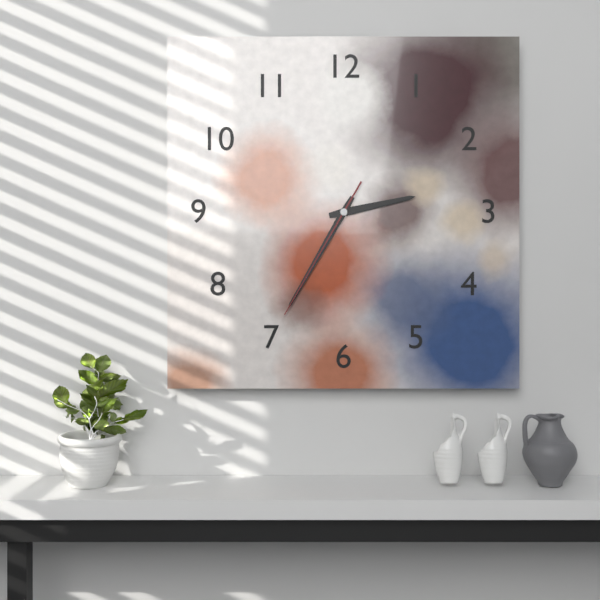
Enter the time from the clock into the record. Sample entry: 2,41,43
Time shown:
2,35,35
